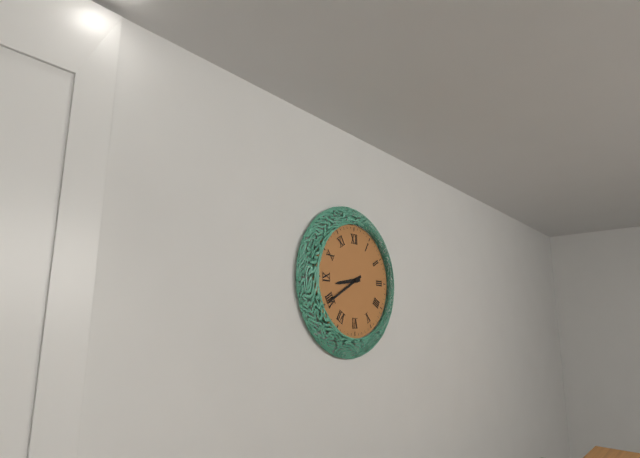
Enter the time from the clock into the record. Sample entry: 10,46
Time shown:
8,40
